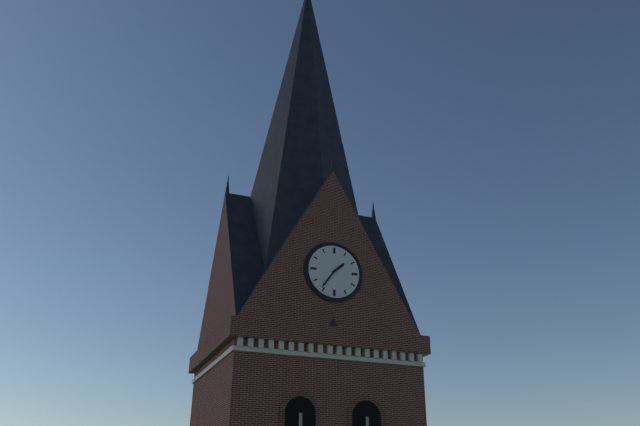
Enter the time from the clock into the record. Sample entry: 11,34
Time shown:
1,36
